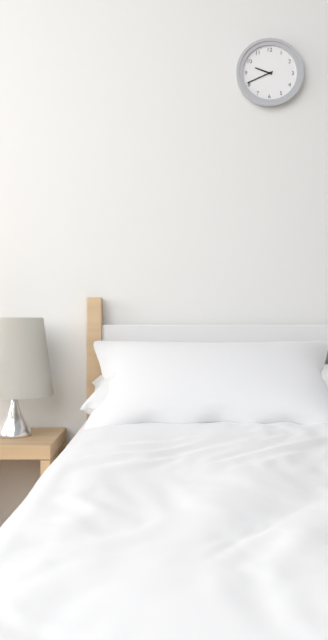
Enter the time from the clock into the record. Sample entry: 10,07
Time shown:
9,41
